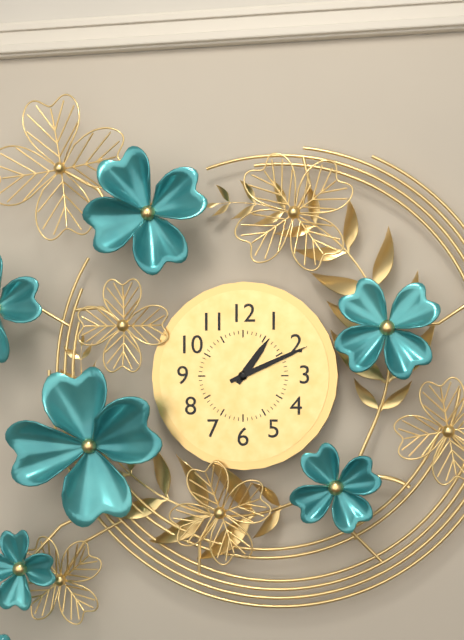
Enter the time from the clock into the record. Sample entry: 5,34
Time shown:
1,11
